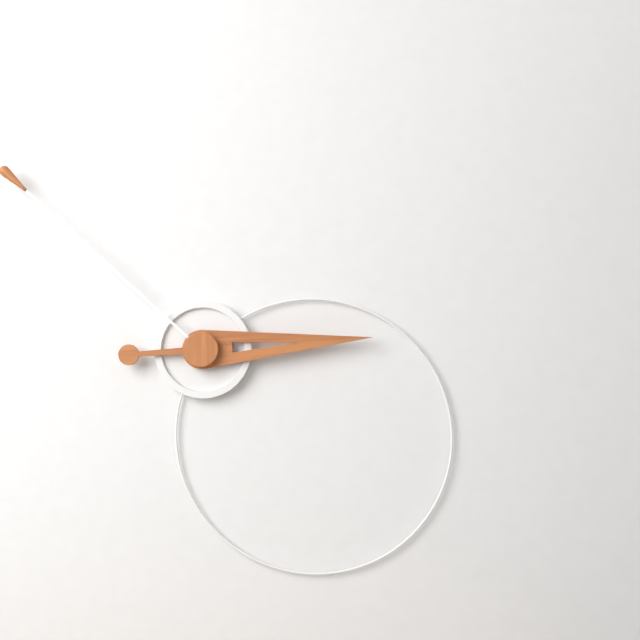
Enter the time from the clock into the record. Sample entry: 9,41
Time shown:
2,52
